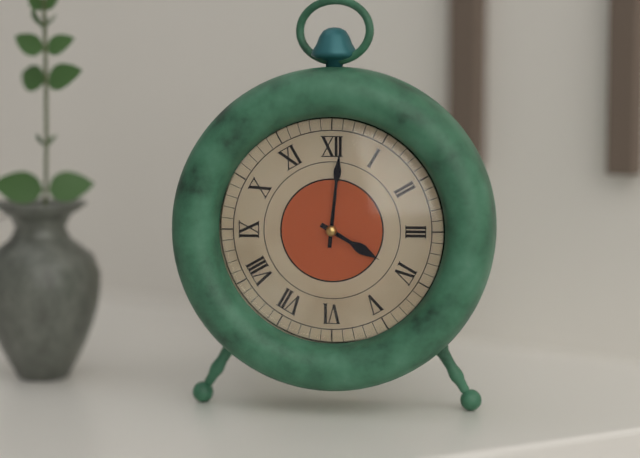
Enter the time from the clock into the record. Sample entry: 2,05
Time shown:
4,01
